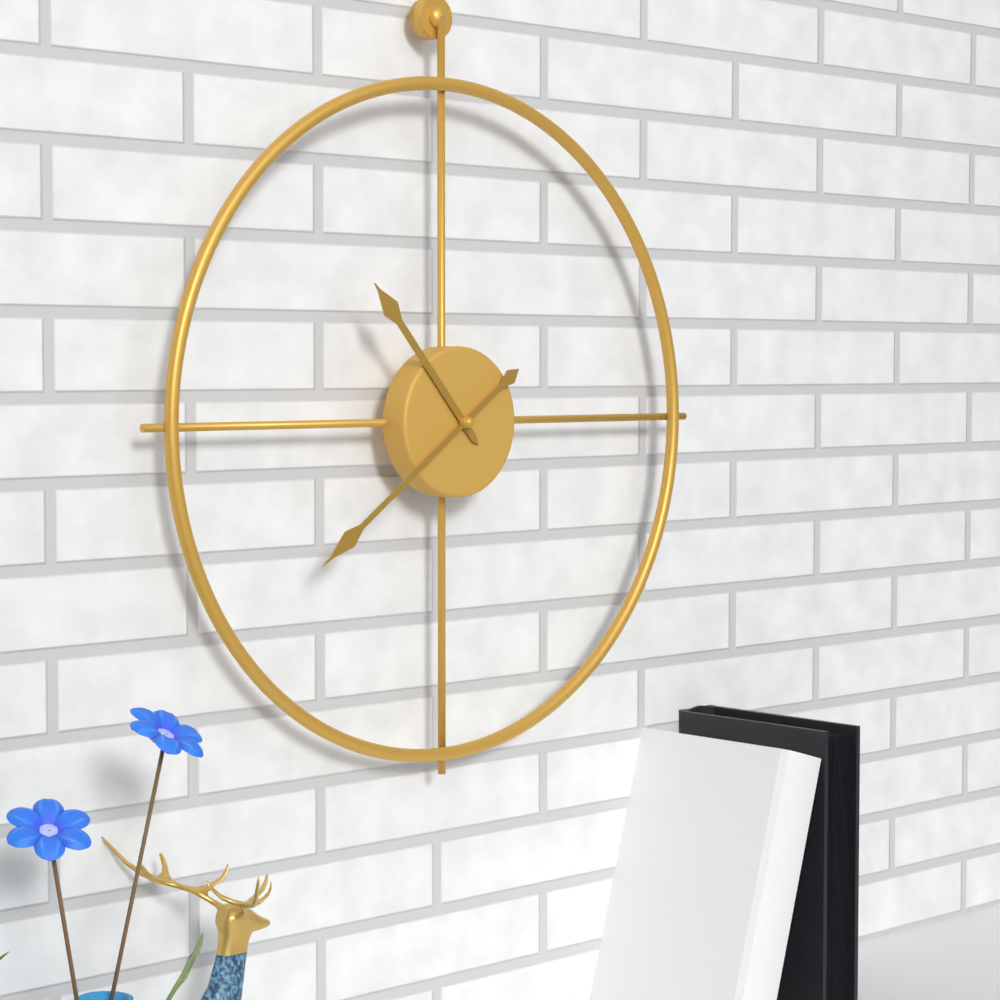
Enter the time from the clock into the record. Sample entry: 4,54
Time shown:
10,39
